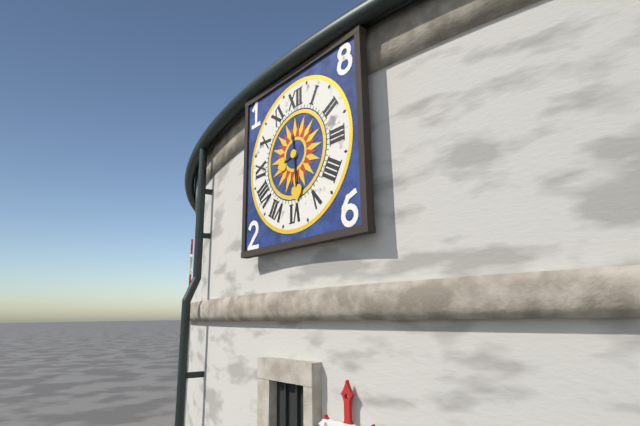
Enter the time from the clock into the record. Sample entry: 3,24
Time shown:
8,29
